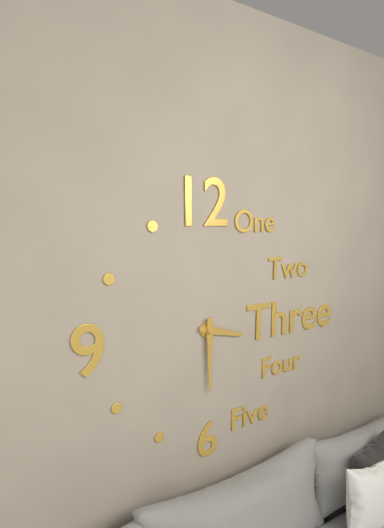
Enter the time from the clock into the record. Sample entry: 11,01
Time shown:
3,30
